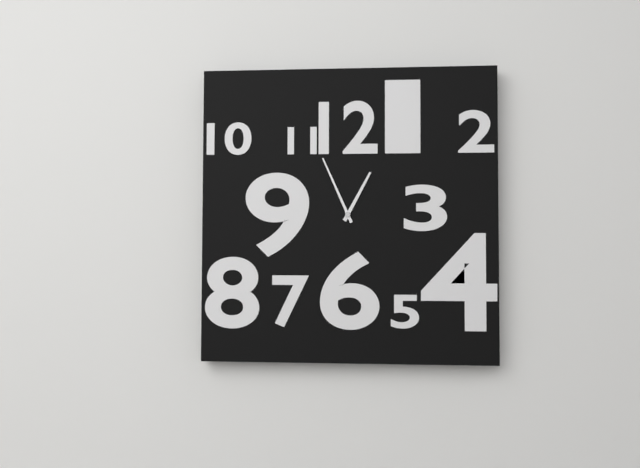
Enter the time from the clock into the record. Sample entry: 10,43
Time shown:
12,56
